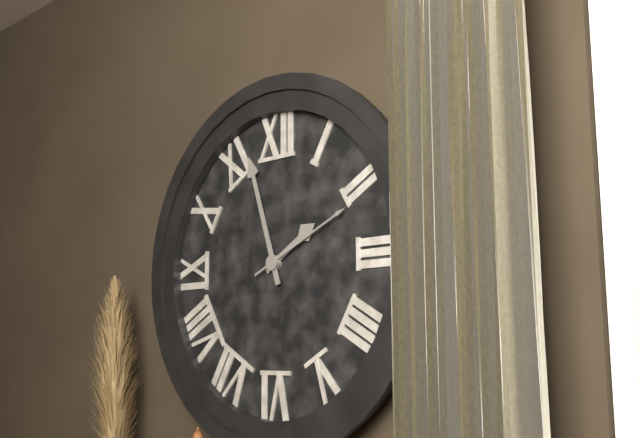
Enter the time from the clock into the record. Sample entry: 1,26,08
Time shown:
1,57,11
